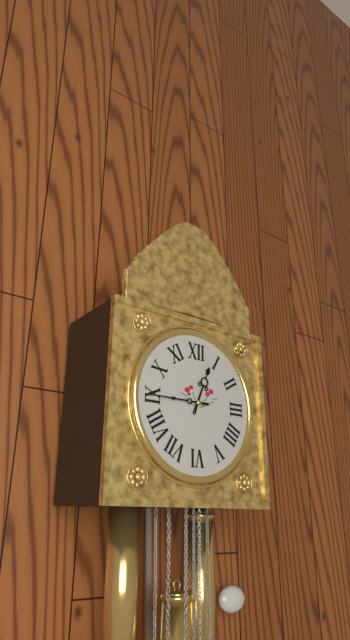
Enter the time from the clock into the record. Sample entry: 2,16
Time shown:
12,45
